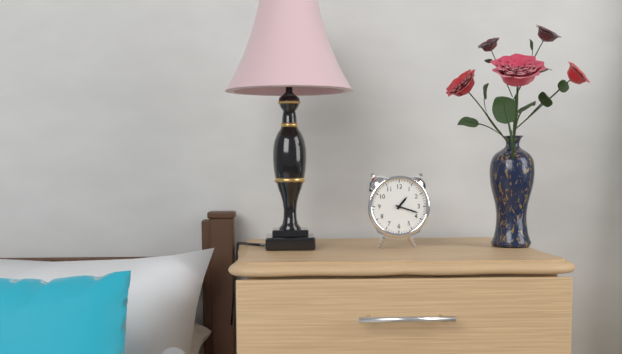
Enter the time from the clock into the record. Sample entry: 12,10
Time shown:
1,18
